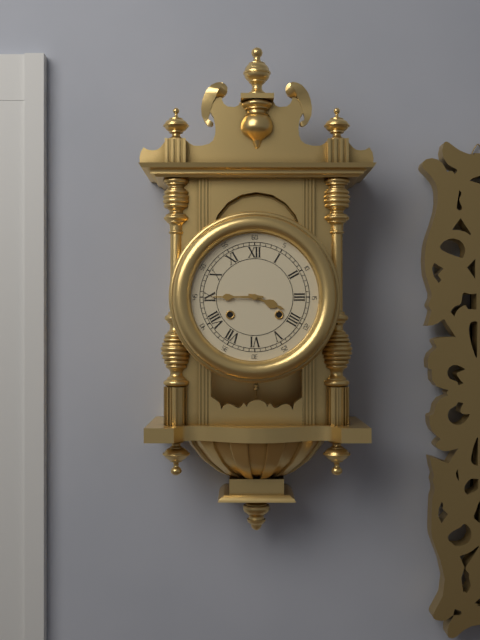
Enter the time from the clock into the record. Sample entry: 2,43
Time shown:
3,45
